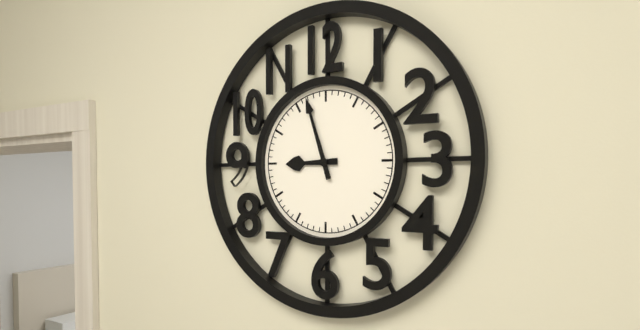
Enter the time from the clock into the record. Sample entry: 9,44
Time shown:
8,57
